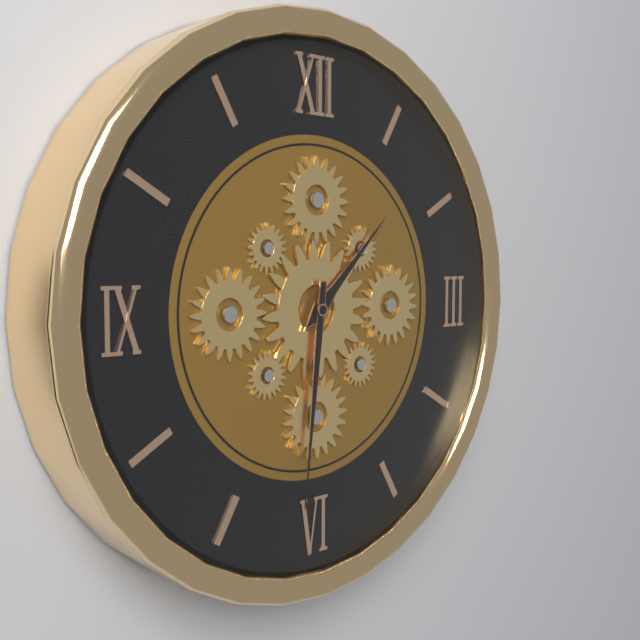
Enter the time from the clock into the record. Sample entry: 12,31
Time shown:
1,31
